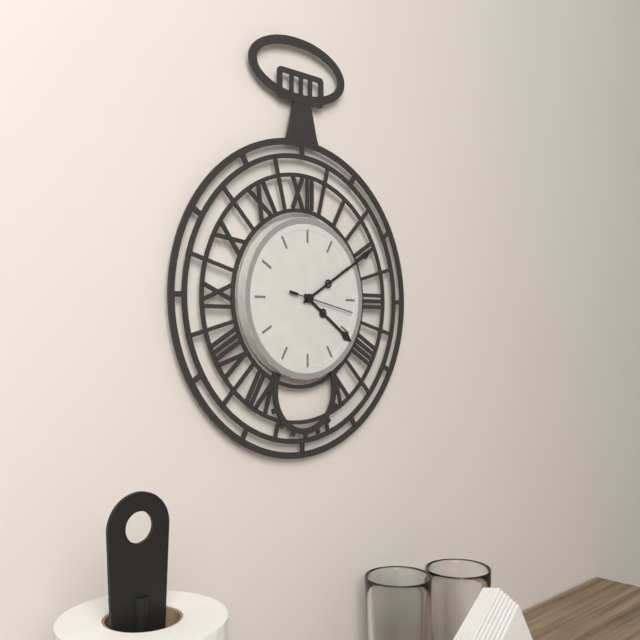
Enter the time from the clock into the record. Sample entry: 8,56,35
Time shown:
4,10,17
